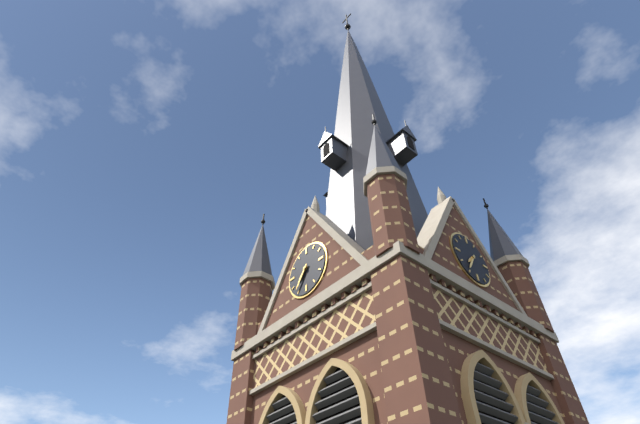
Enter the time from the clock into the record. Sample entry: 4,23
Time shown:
7,36
